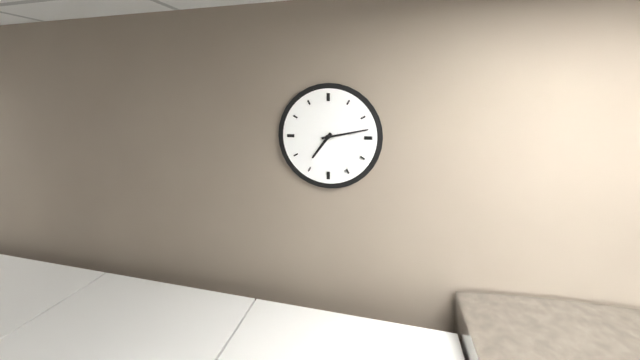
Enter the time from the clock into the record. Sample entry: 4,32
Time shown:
7,13
